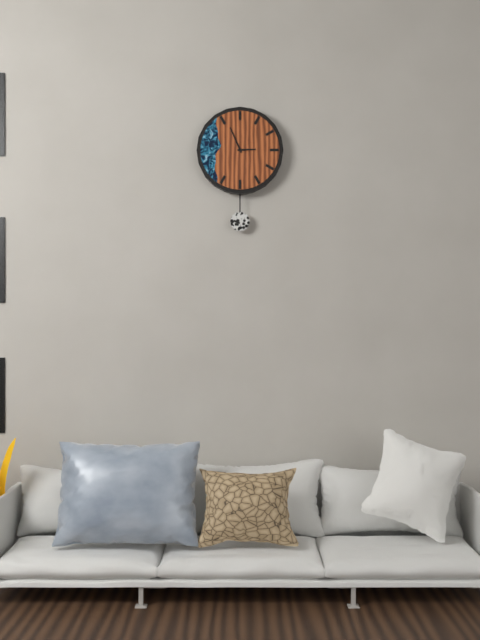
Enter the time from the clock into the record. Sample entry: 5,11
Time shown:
2,56
